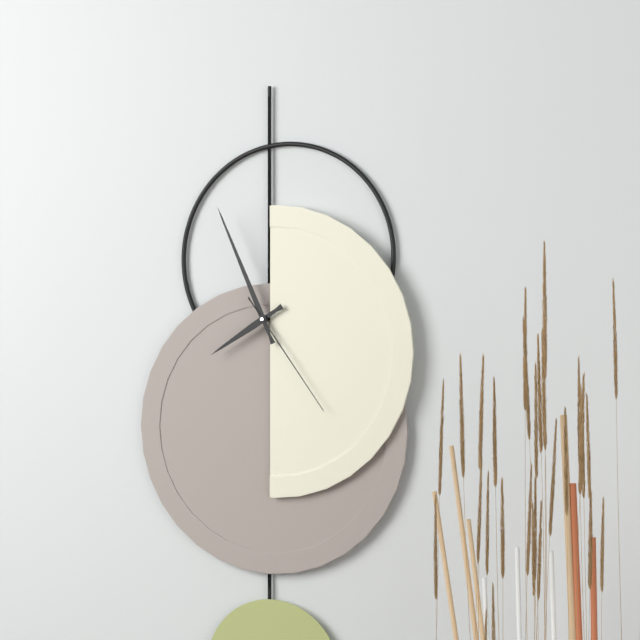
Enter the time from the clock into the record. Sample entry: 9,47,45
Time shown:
7,56,24
